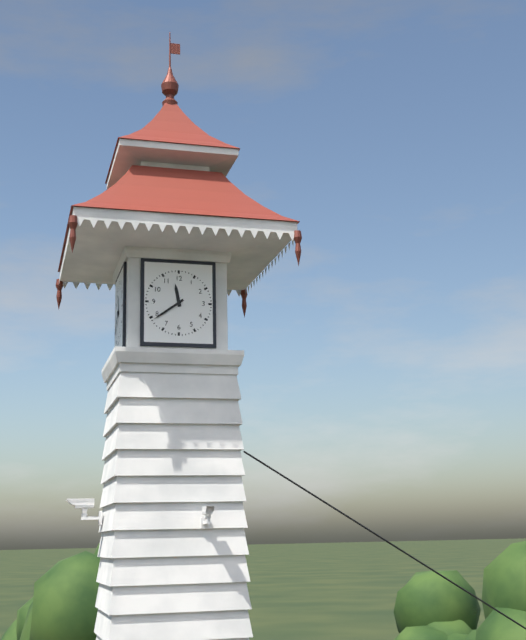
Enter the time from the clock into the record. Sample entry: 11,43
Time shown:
11,39
